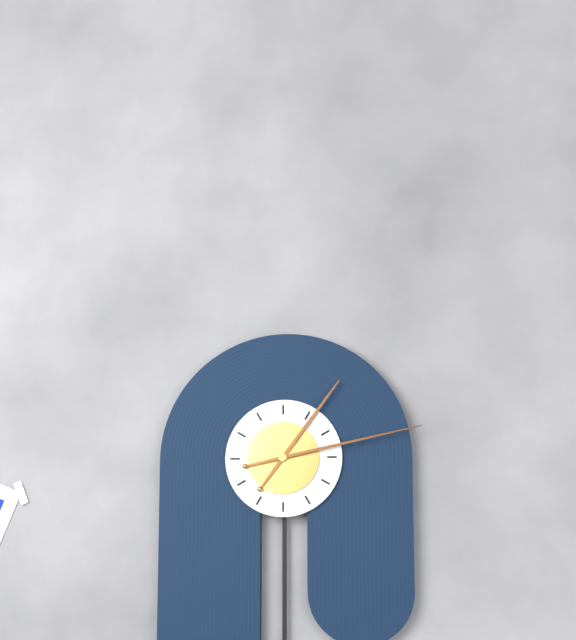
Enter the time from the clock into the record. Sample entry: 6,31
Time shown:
1,13
